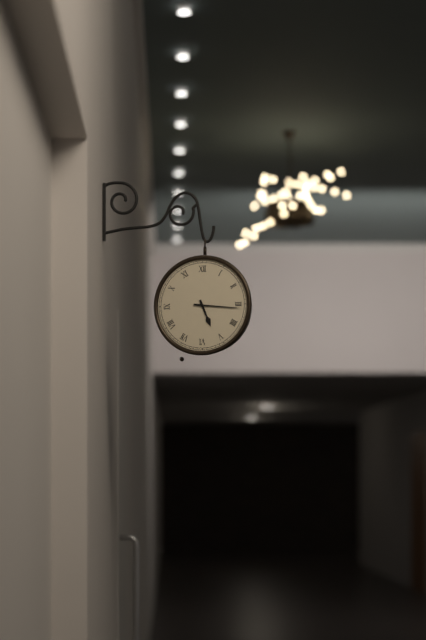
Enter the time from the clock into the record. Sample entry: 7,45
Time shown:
5,16
